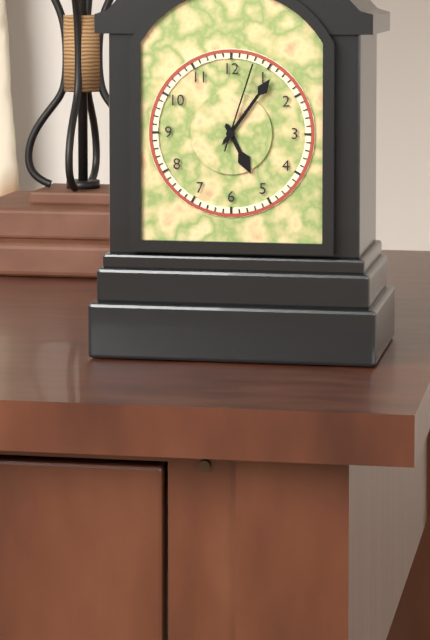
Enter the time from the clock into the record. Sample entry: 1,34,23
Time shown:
5,06,03
